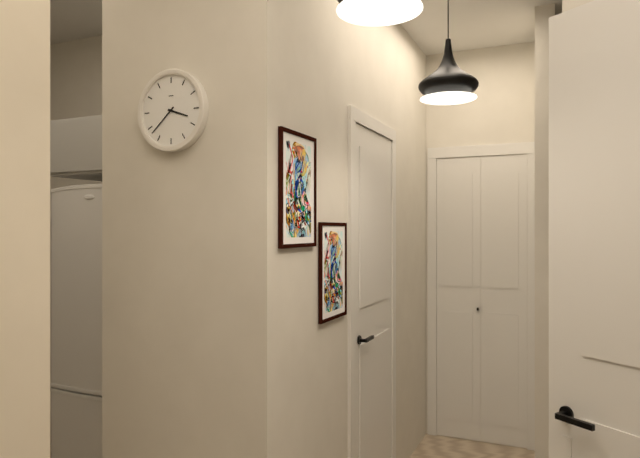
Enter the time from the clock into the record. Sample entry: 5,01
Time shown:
3,38
